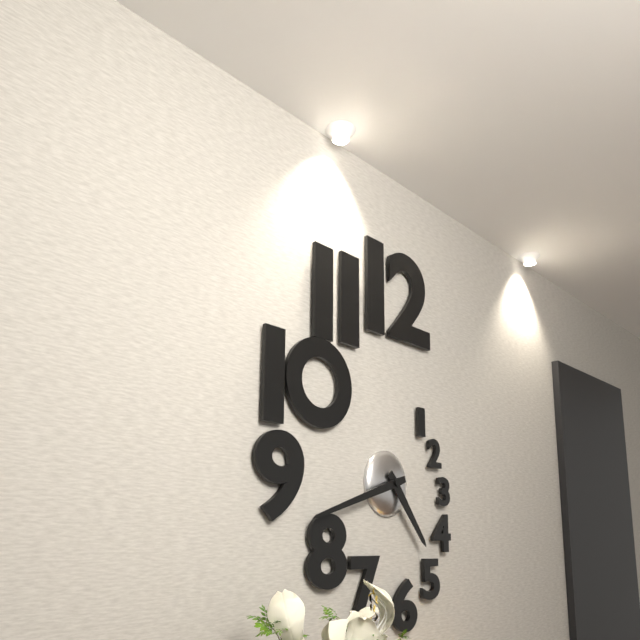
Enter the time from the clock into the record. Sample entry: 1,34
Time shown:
4,42
